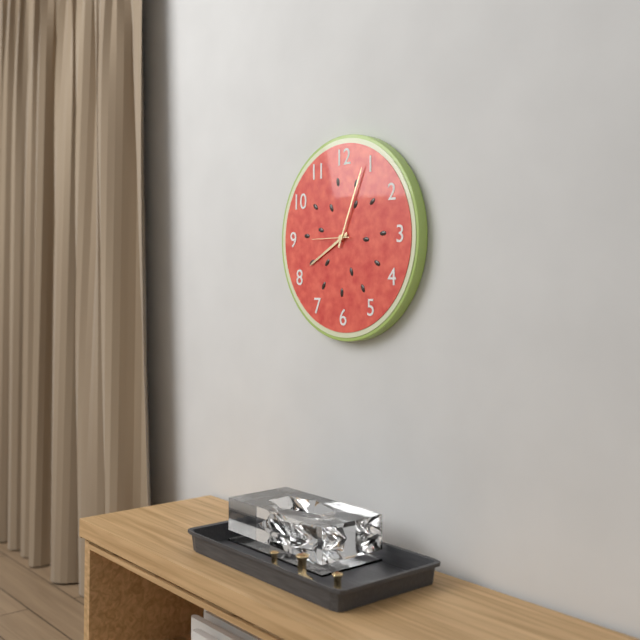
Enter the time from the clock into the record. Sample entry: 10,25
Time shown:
8,04
